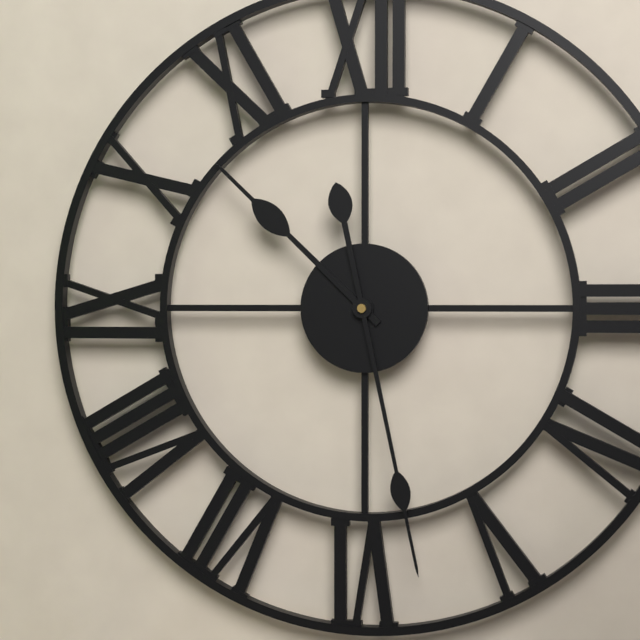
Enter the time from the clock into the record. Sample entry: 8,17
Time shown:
10,28
